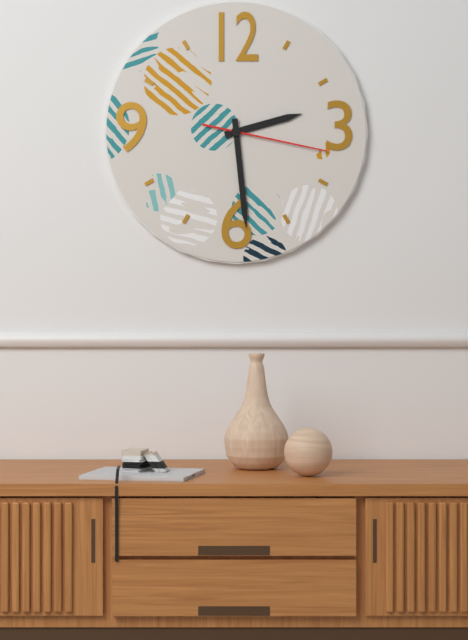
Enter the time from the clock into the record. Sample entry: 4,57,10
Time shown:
2,29,17
